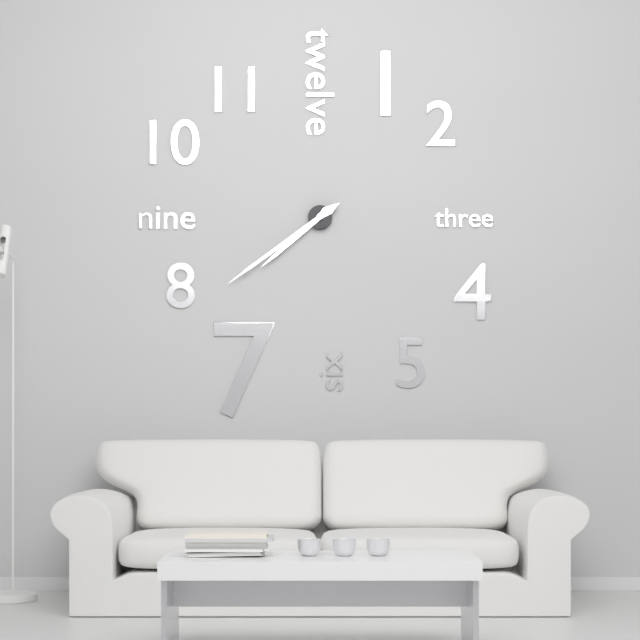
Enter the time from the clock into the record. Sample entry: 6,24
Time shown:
7,39
